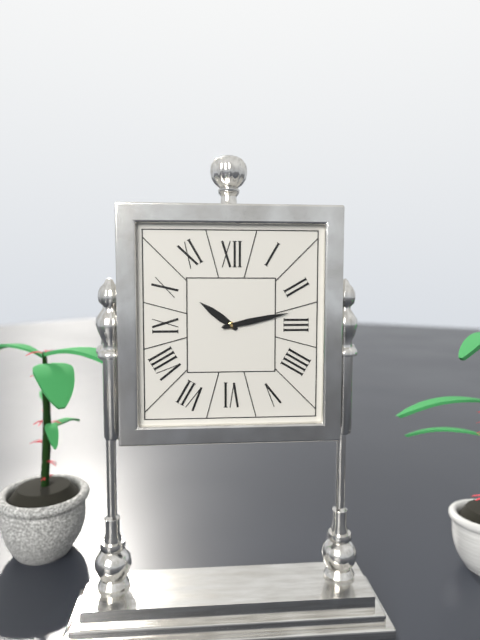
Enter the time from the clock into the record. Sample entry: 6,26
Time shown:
10,13
